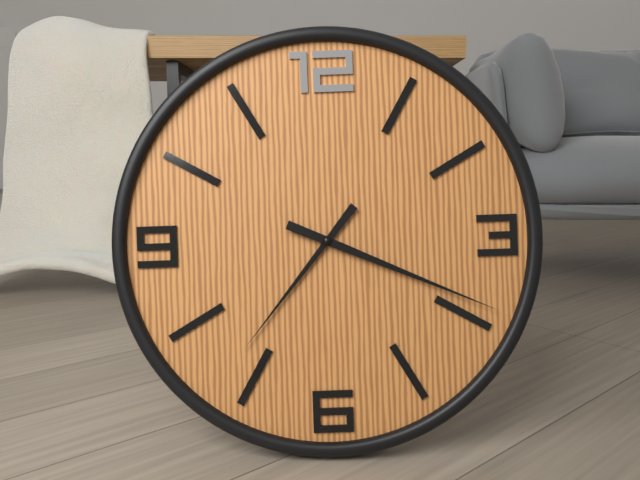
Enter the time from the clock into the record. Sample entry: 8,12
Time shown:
7,19
